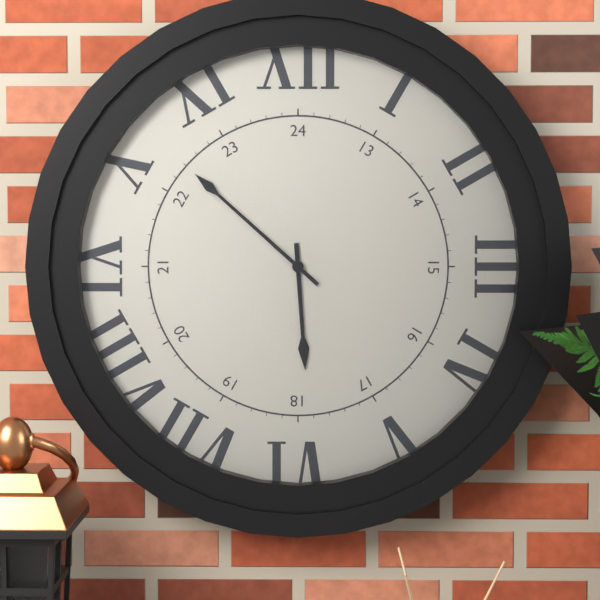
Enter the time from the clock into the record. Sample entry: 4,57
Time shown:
5,52
